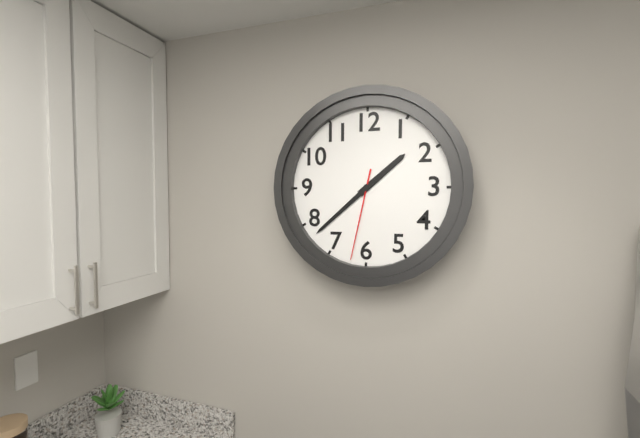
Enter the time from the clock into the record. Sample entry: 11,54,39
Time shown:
1,38,32
